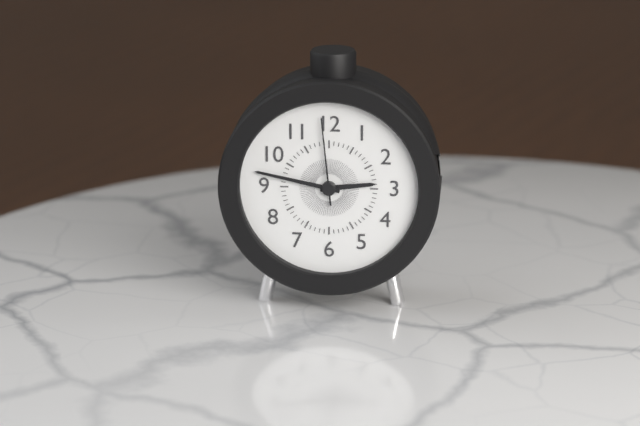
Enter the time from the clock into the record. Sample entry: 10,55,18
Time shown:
2,47,59
